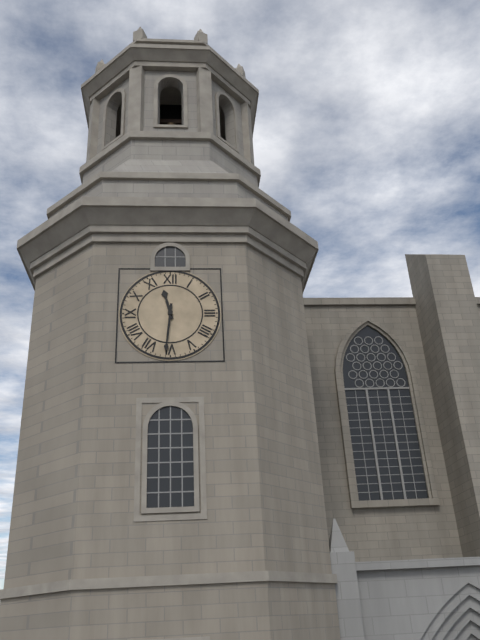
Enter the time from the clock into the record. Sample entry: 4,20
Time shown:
11,31
